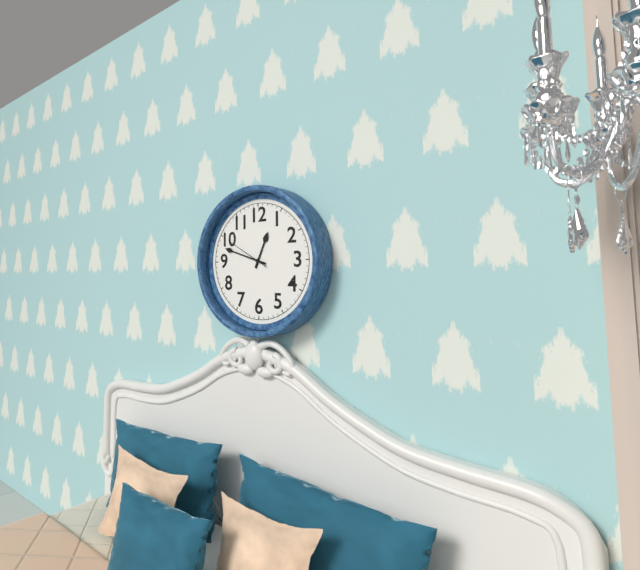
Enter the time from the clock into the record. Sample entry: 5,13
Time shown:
12,48
